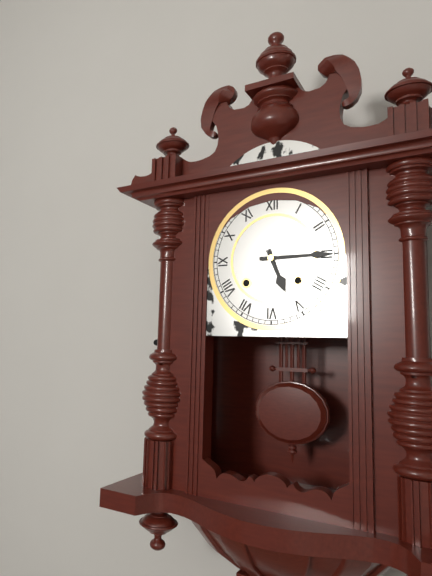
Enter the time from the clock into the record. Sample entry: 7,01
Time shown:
5,15
